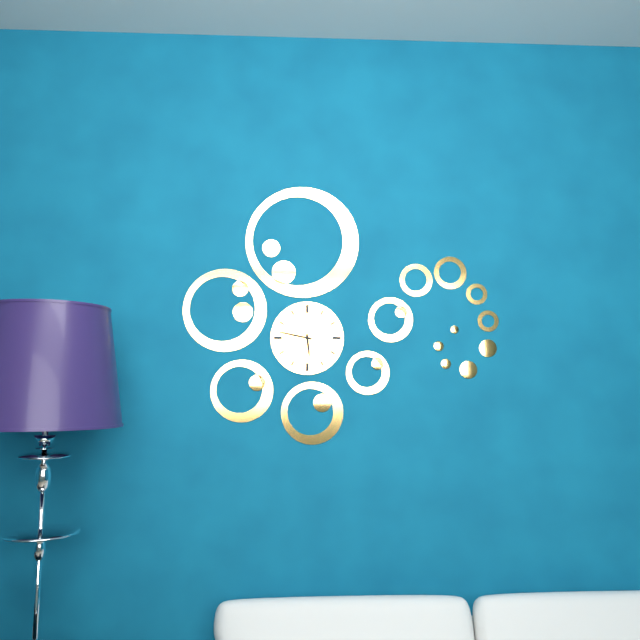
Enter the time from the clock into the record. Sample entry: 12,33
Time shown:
5,47
